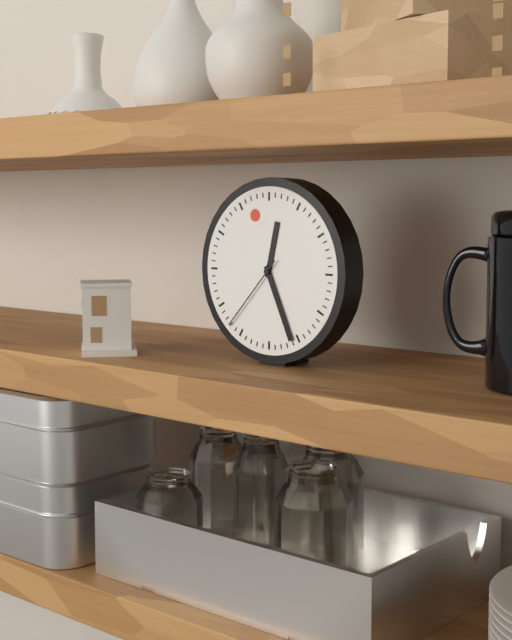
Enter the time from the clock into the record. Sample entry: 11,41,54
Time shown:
12,26,37
